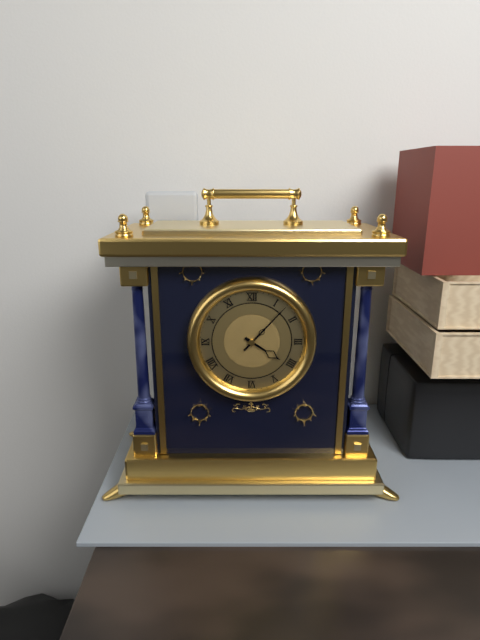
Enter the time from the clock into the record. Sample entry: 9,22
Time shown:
4,07
